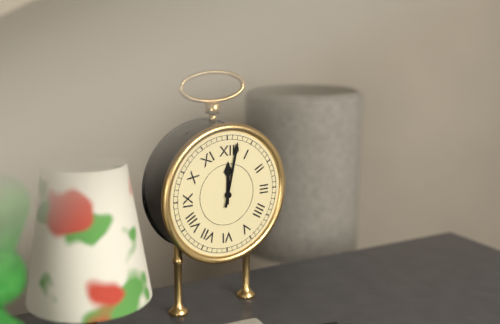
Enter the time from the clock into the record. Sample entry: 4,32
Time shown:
12,02
